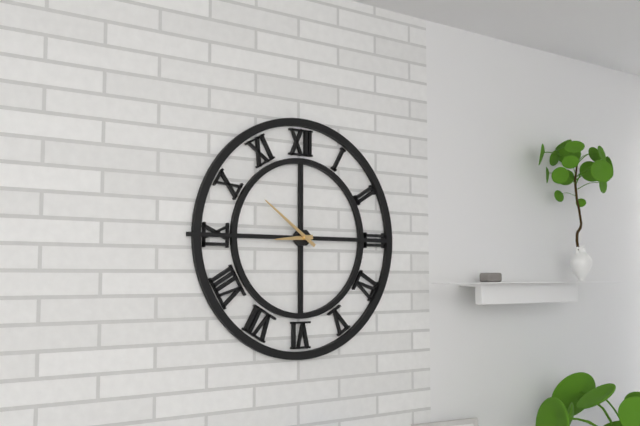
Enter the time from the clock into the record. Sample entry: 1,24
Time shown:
8,51
